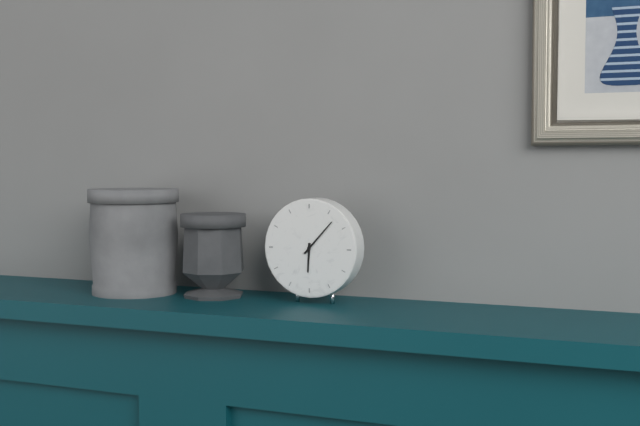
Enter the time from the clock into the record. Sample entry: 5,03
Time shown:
6,07
